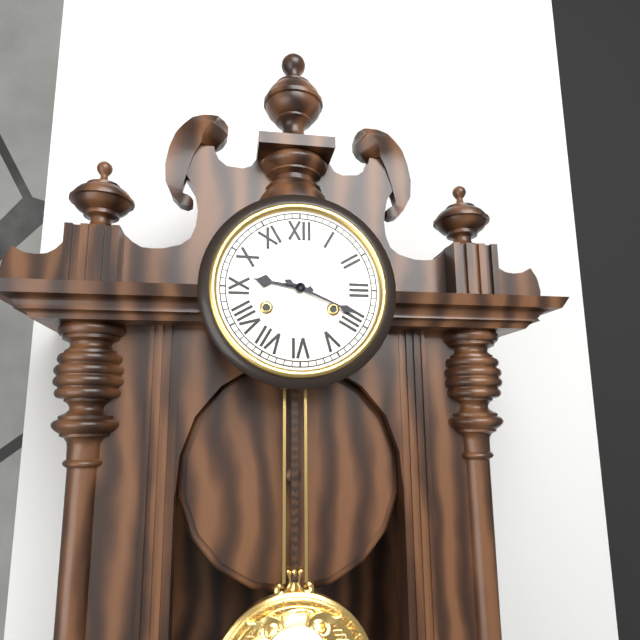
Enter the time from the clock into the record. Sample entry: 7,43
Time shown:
9,19
